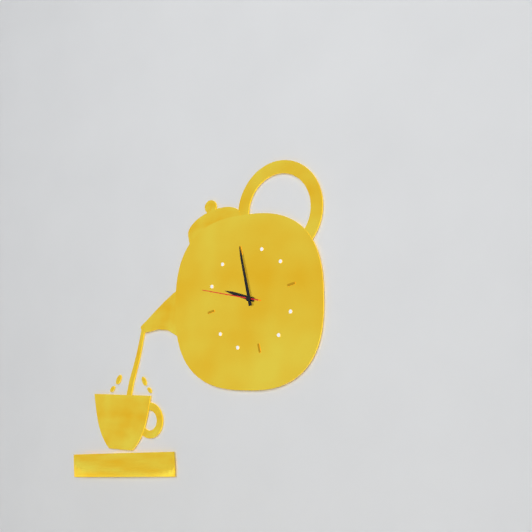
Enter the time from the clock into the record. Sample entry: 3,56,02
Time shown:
10,00,49
